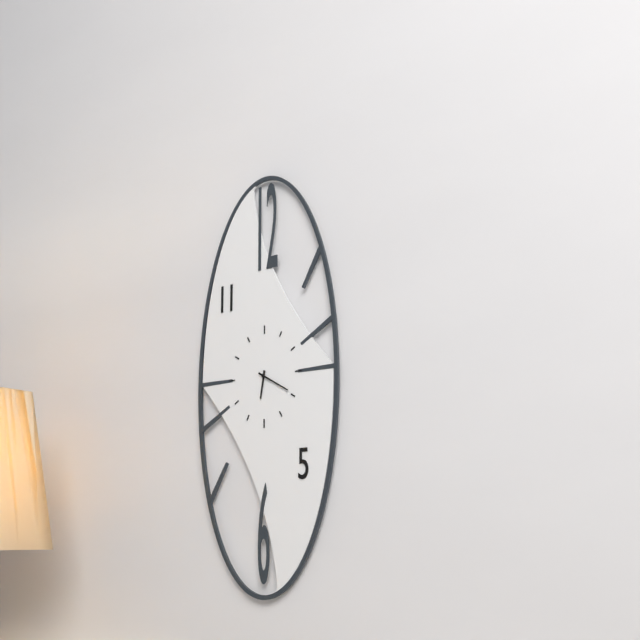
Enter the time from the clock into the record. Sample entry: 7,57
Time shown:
6,20
